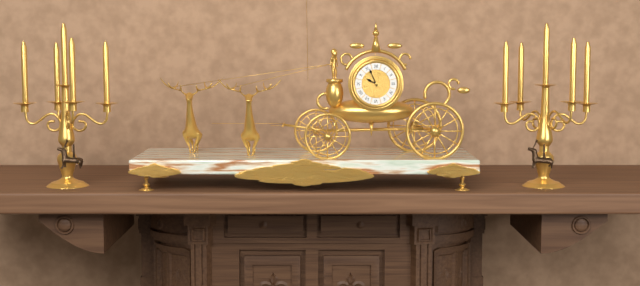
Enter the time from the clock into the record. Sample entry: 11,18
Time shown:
9,56
